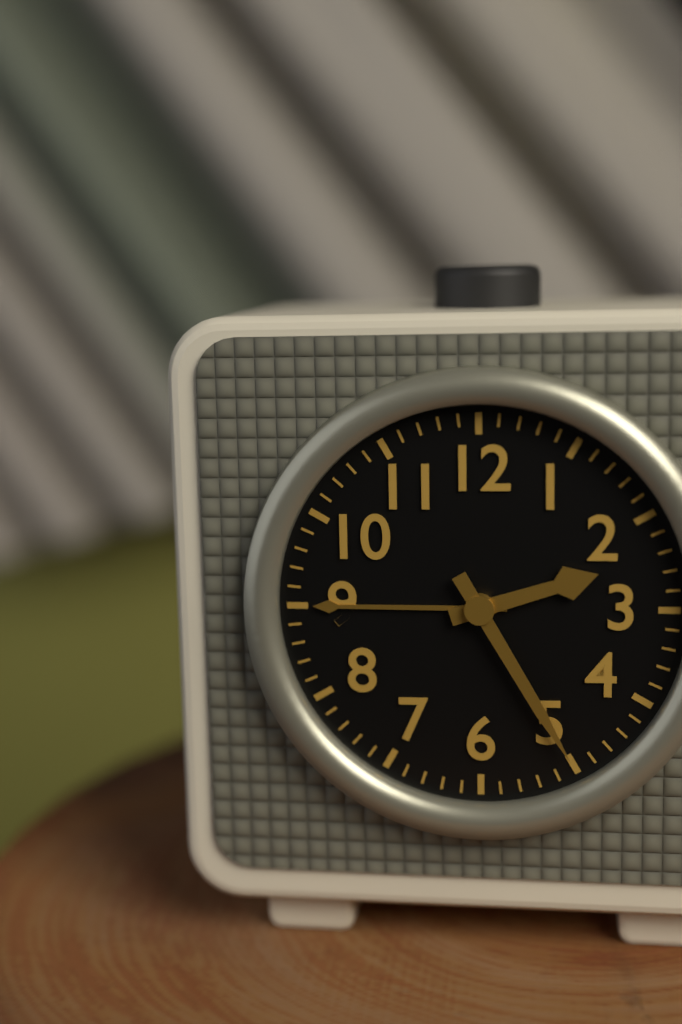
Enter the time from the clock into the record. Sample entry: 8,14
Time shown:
2,25
